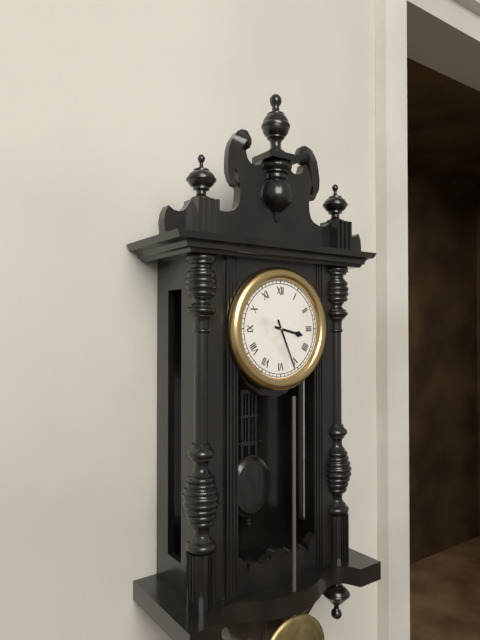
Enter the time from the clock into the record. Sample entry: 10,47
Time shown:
3,26
